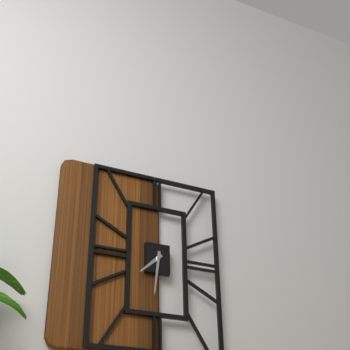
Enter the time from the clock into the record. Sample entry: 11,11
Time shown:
7,31
